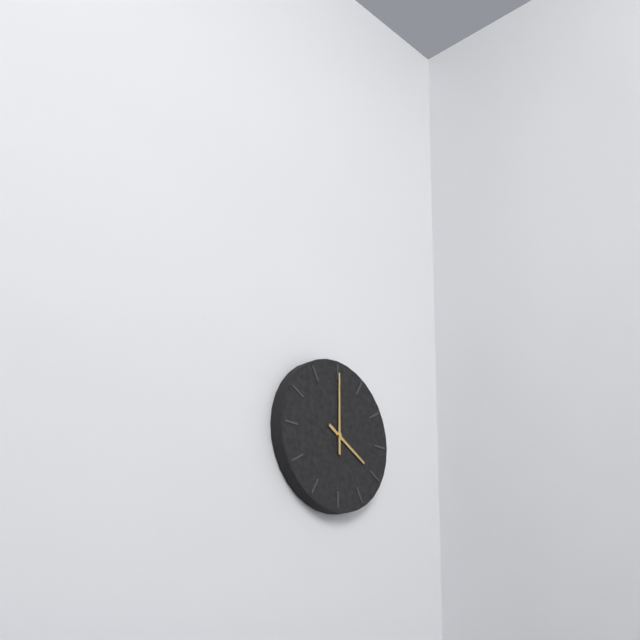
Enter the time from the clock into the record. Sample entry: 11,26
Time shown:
4,00
